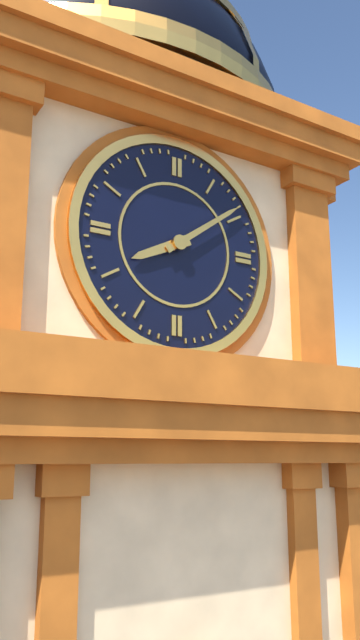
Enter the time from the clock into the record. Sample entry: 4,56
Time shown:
8,09
